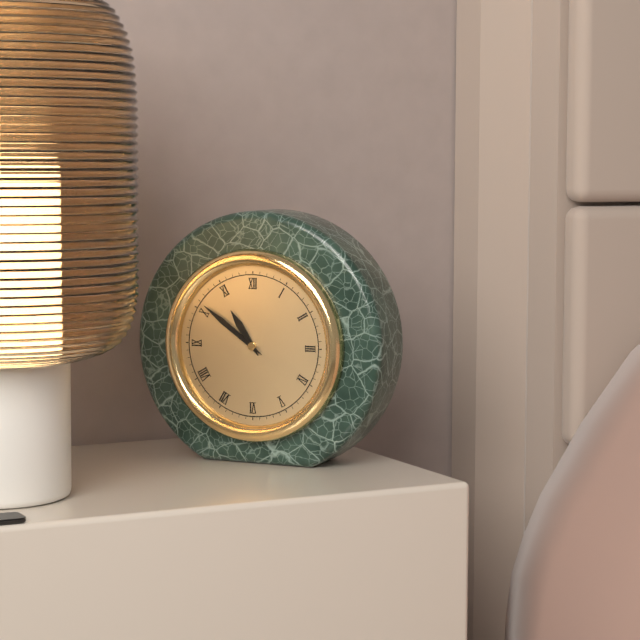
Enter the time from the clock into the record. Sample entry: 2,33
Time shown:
10,51
